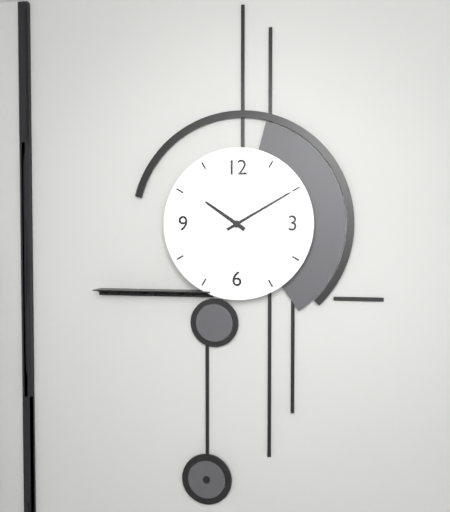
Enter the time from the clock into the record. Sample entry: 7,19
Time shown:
10,10
